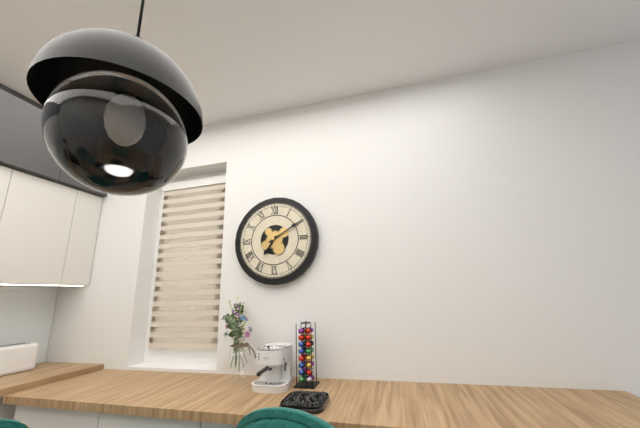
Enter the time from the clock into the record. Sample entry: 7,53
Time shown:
7,10
